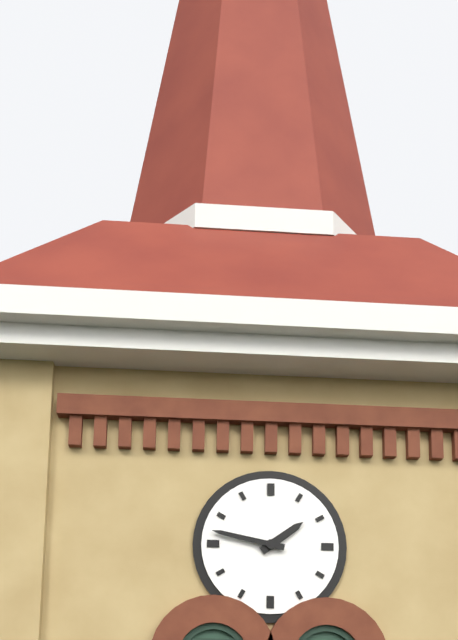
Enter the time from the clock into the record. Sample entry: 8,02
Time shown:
1,47
